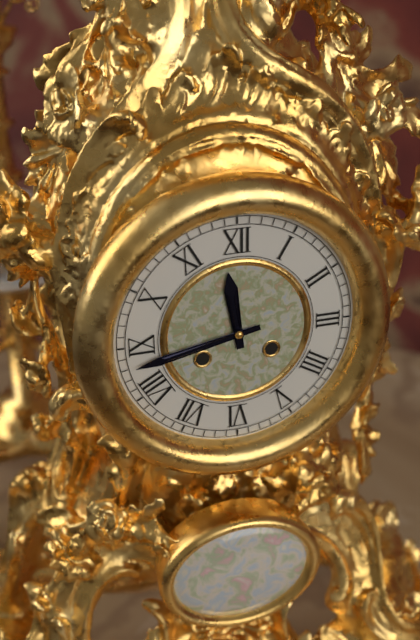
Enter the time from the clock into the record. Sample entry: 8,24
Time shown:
11,43
